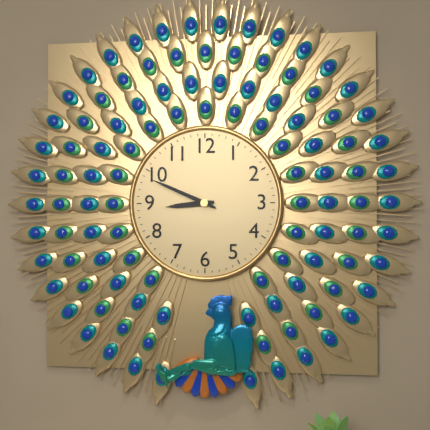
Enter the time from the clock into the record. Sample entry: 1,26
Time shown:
8,49
